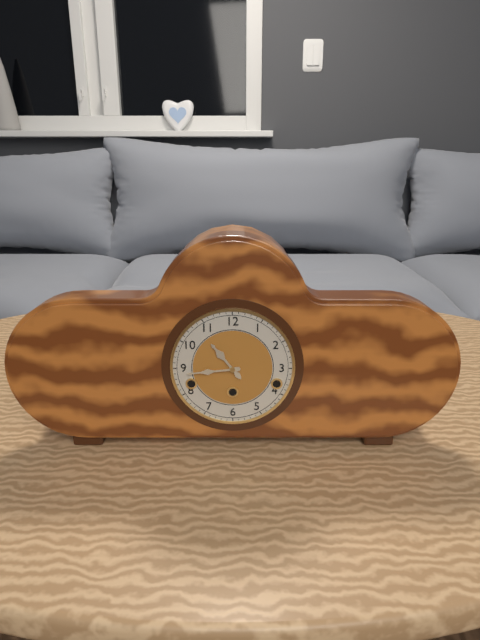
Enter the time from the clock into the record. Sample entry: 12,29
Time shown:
10,44
